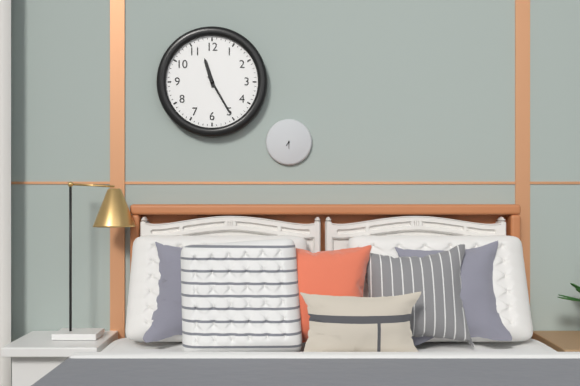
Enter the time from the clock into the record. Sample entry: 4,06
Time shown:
11,25
